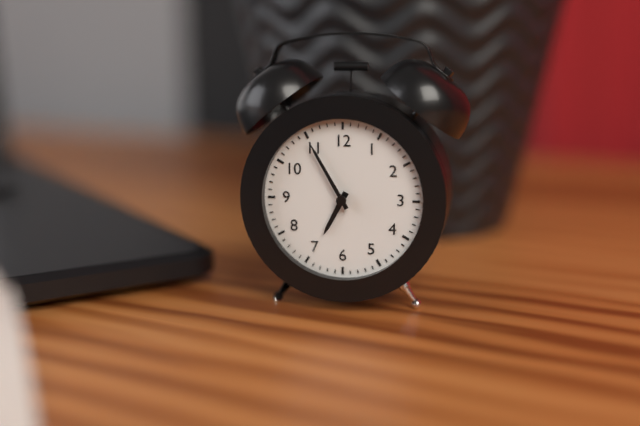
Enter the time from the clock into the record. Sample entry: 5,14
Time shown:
6,55
